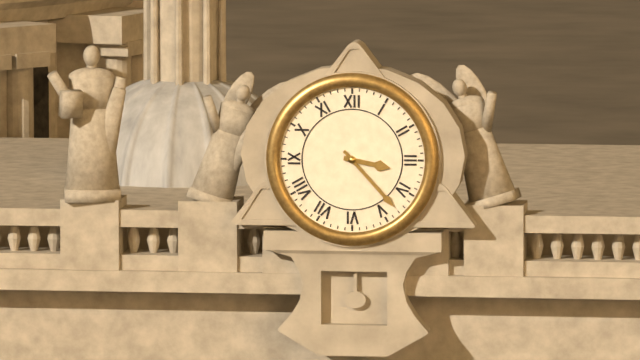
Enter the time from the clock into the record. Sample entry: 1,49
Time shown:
3,23
